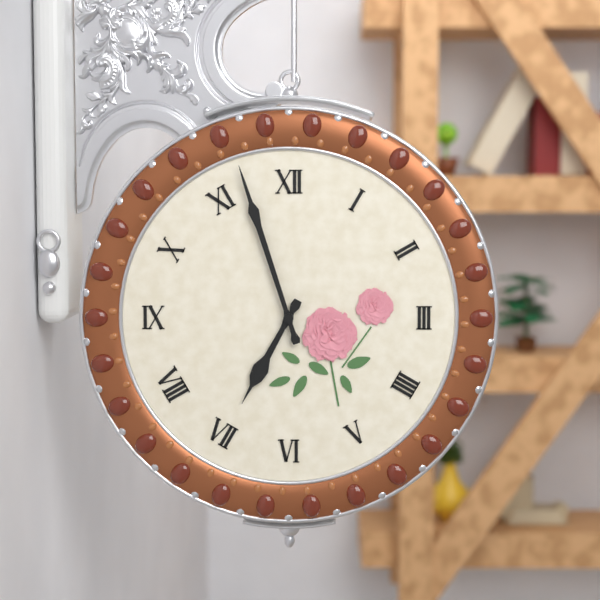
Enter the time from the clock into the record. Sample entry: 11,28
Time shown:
6,57
